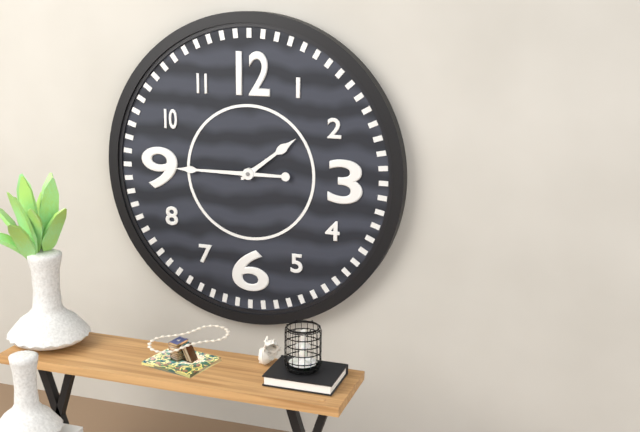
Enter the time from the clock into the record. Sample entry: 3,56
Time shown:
1,45
